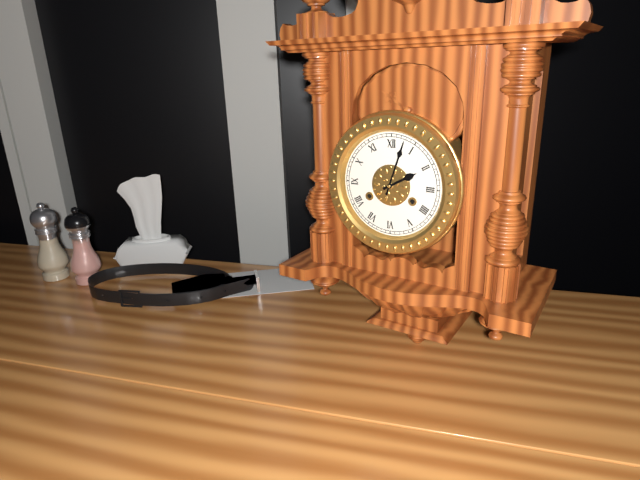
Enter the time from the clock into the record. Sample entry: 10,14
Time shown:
2,03
